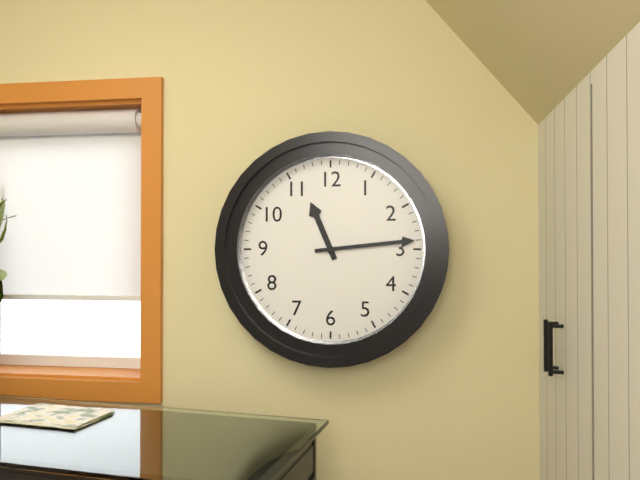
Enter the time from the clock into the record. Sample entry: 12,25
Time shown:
11,14
